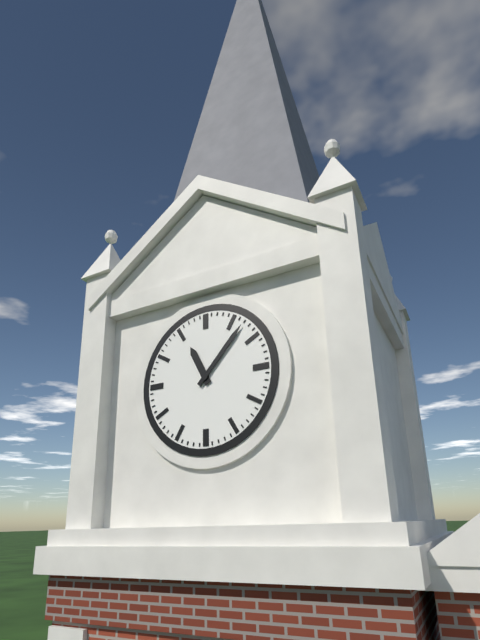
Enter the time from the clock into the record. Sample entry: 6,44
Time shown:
11,07
